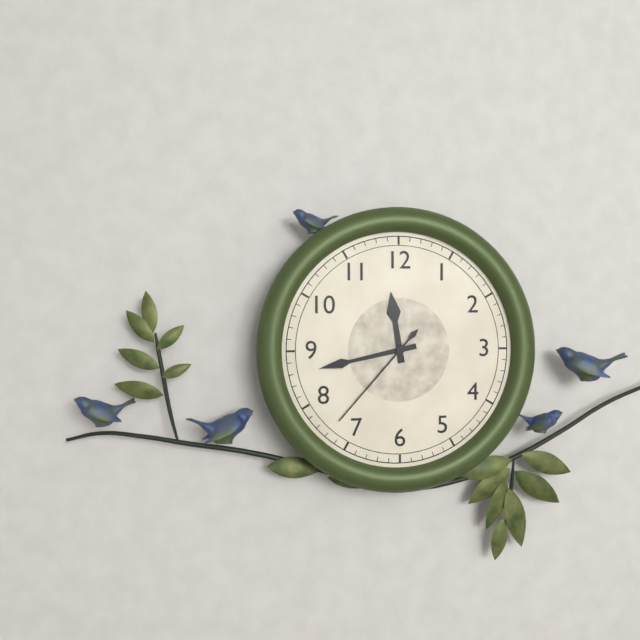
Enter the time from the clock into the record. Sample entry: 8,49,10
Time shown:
11,43,37
